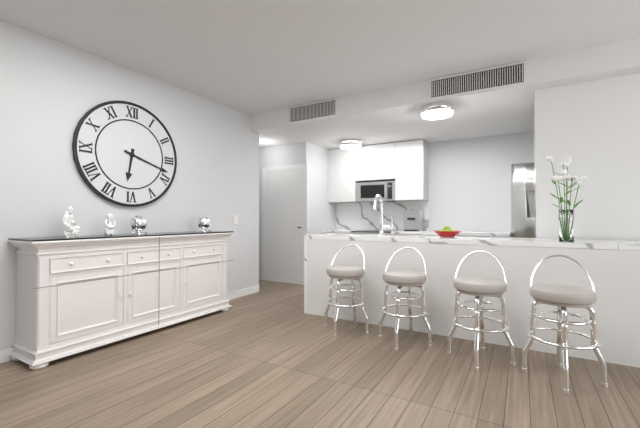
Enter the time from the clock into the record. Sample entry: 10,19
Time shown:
6,18
